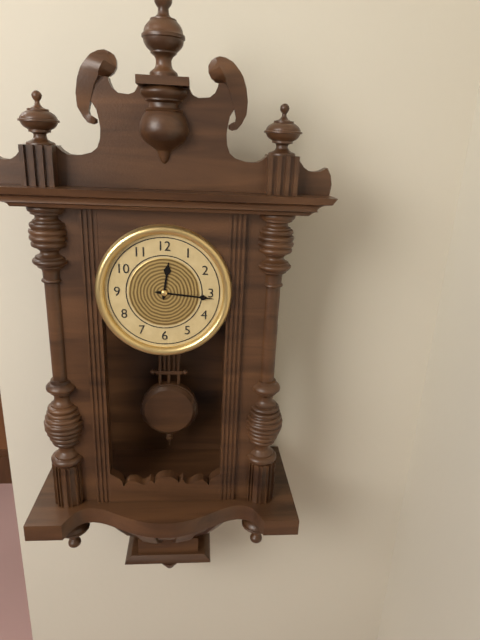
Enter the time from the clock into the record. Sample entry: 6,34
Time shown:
12,16
